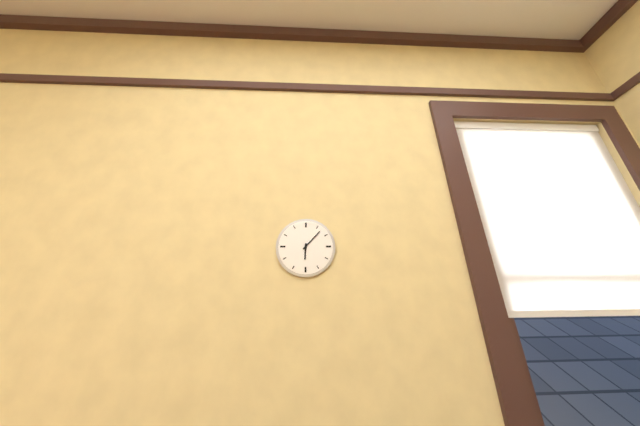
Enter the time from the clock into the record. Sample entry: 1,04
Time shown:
6,07
